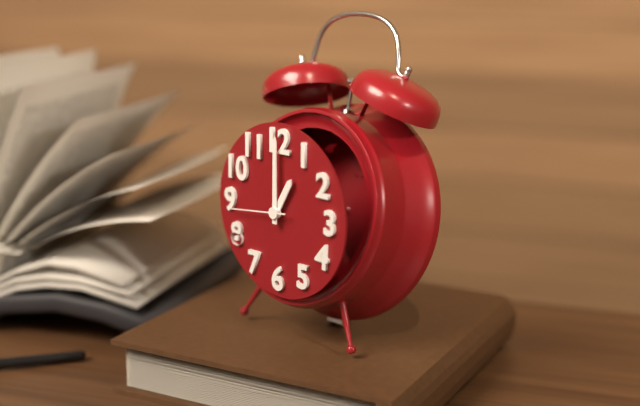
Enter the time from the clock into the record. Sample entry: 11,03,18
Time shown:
1,00,44
